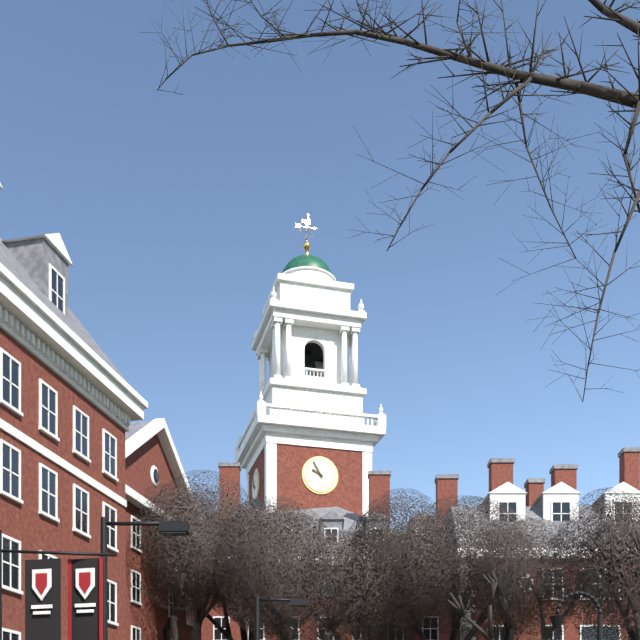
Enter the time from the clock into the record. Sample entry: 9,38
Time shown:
9,55
